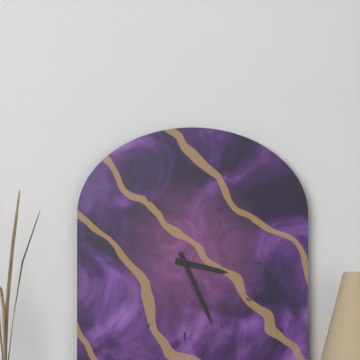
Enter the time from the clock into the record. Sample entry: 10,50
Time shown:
3,26
